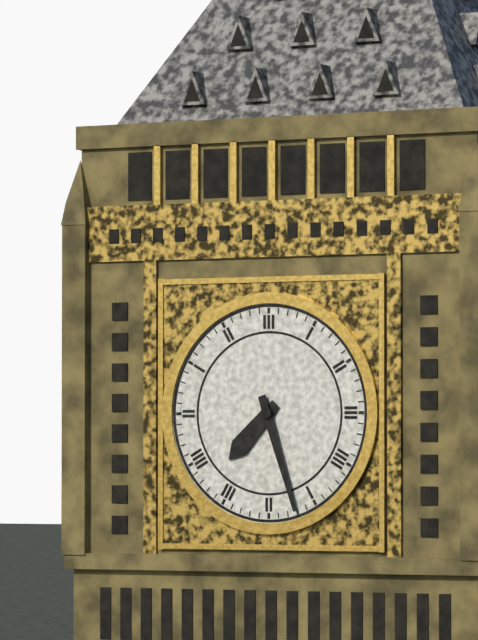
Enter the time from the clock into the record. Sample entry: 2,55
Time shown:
7,27
